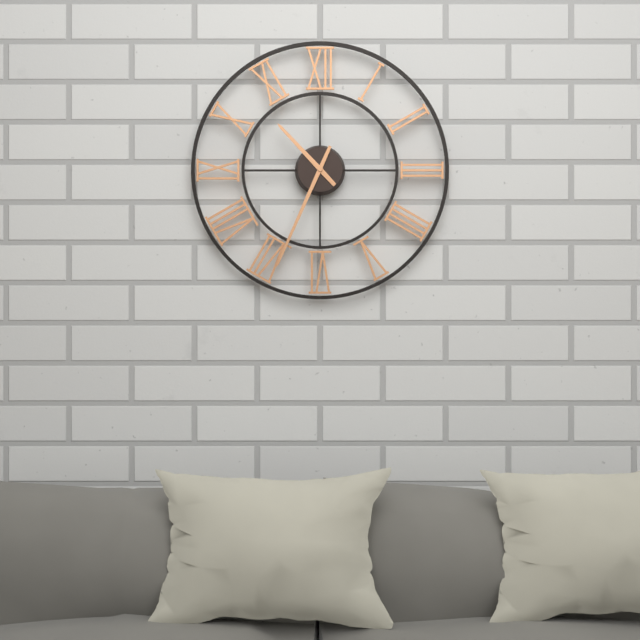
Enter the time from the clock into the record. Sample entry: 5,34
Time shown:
10,34
